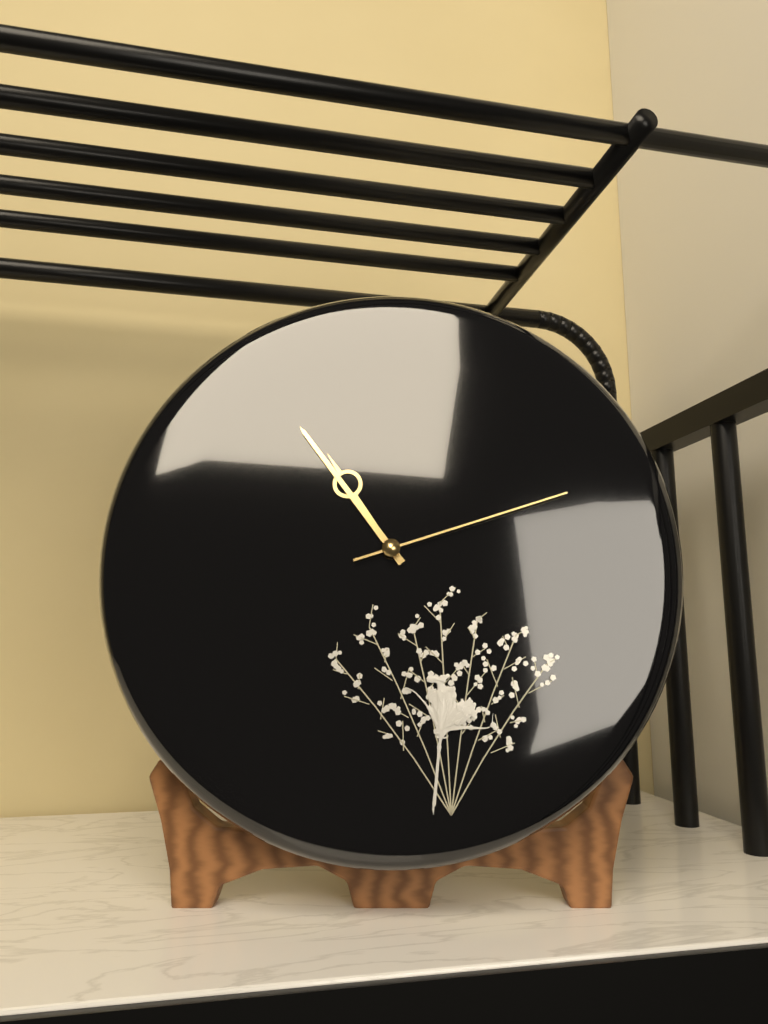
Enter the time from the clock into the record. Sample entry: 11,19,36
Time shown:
10,54,12
